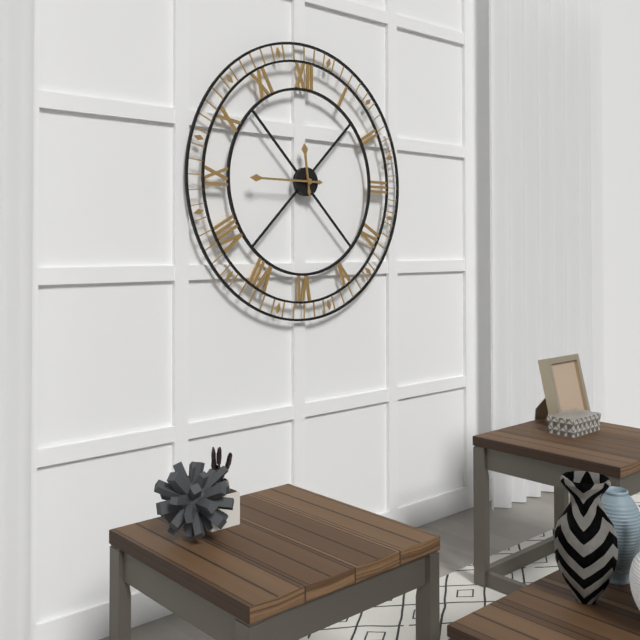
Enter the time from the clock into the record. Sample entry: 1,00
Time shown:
11,45
